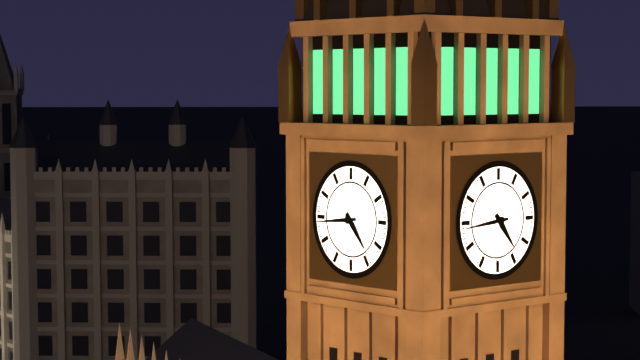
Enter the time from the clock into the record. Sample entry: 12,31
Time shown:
4,44
